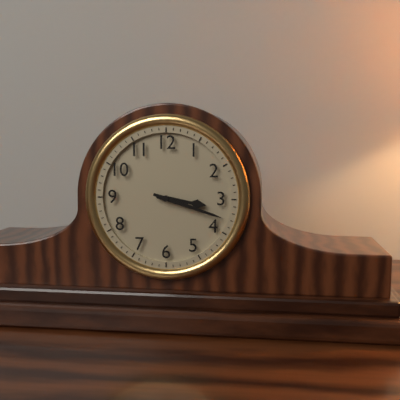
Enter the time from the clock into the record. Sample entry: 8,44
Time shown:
3,18
